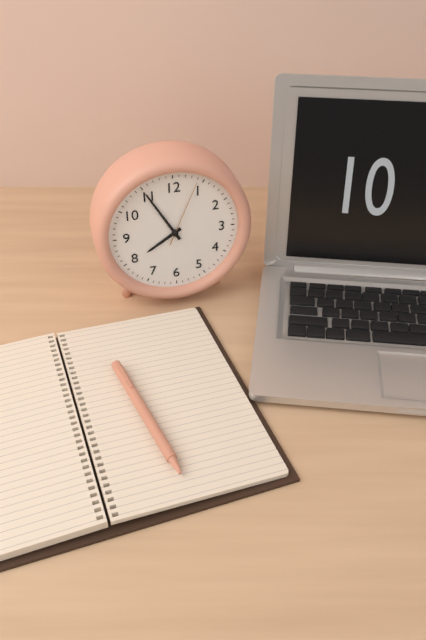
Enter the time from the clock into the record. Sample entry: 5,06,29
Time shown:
7,55,04
